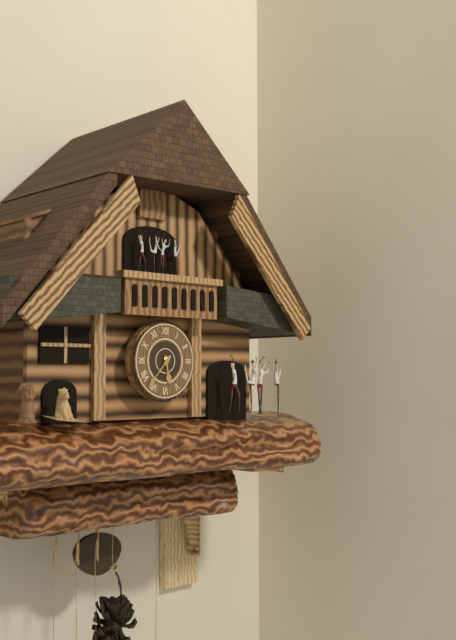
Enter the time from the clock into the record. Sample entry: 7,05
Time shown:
5,37
